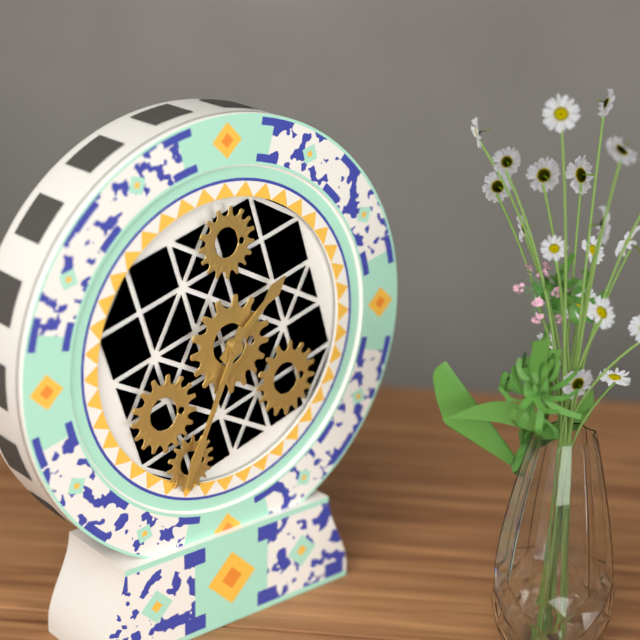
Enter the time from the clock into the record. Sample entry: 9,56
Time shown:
1,34
